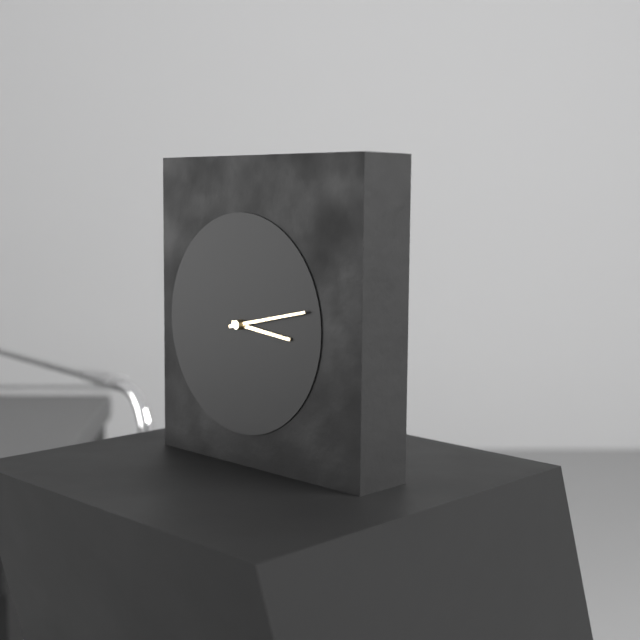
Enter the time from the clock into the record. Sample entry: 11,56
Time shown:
3,13
